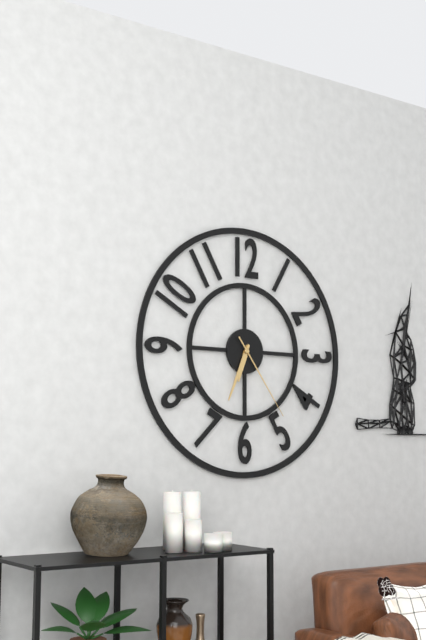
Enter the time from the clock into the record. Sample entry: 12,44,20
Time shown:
6,34,24
